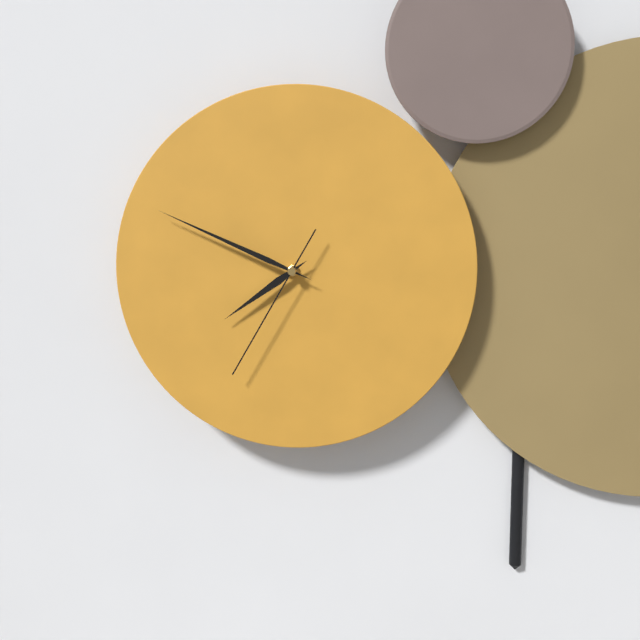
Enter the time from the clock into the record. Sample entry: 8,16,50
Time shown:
7,49,35
